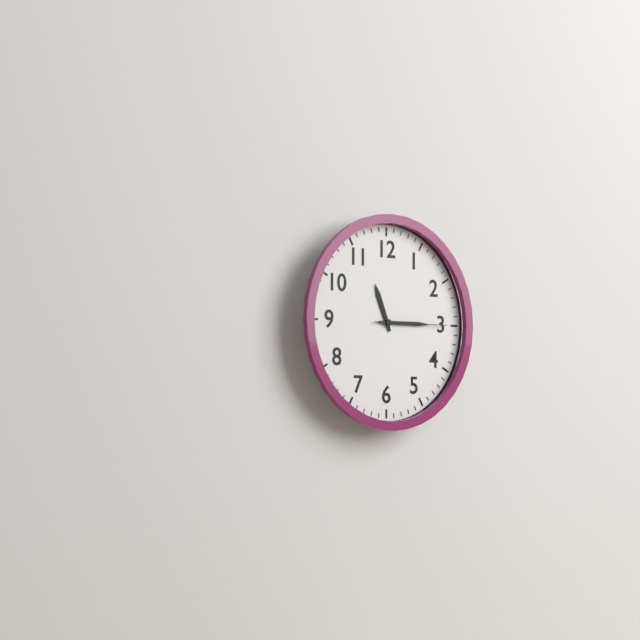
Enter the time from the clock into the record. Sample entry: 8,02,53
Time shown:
11,15,15
